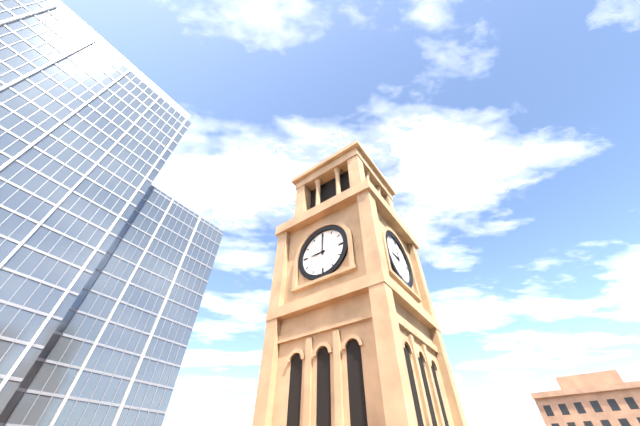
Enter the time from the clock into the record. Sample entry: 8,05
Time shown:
9,00
